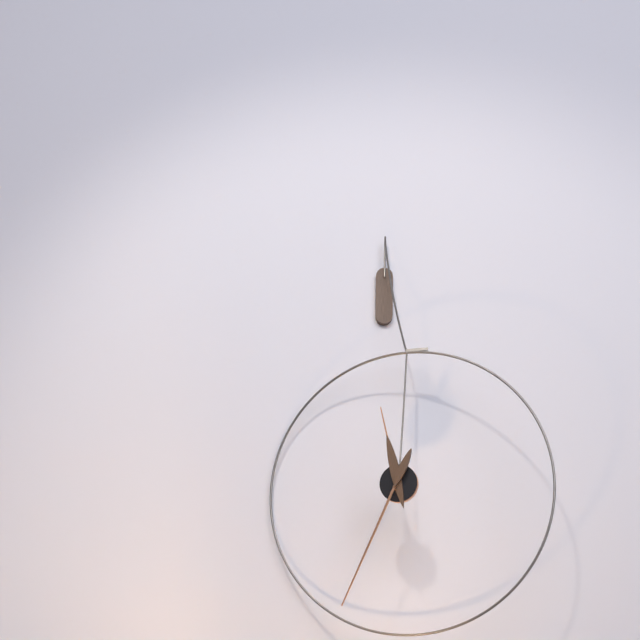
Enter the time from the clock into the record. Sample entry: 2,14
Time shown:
11,34
